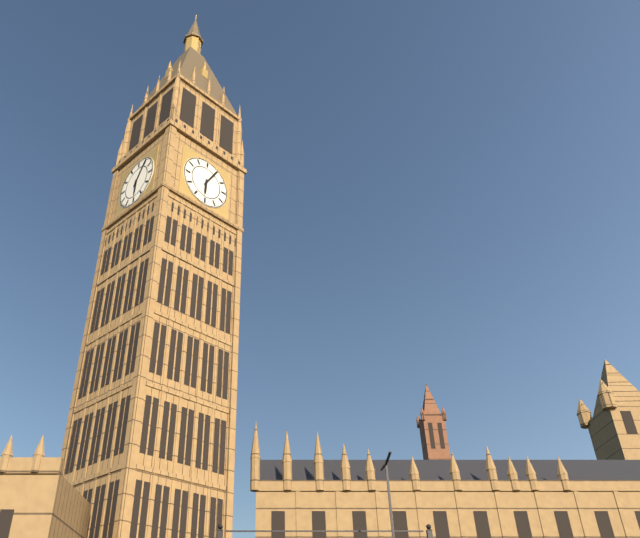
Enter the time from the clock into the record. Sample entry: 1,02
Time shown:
6,05
